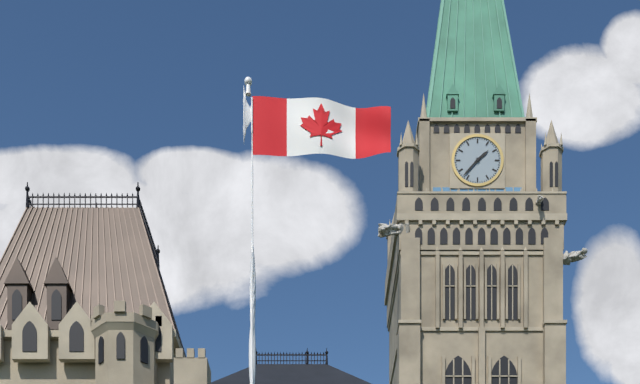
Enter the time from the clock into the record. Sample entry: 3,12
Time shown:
1,37
